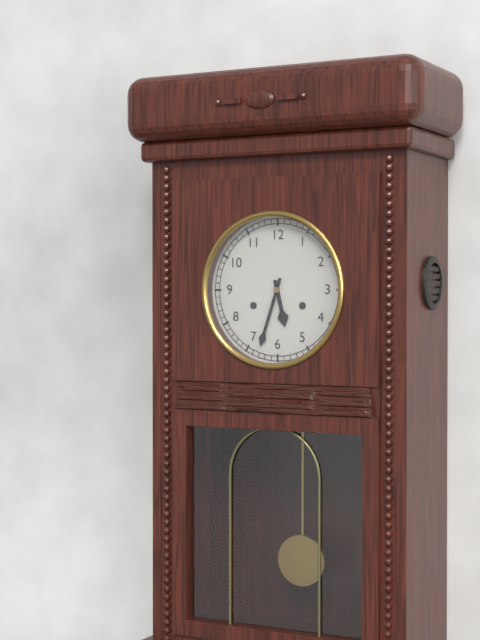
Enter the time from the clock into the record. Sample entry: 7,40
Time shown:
5,33
